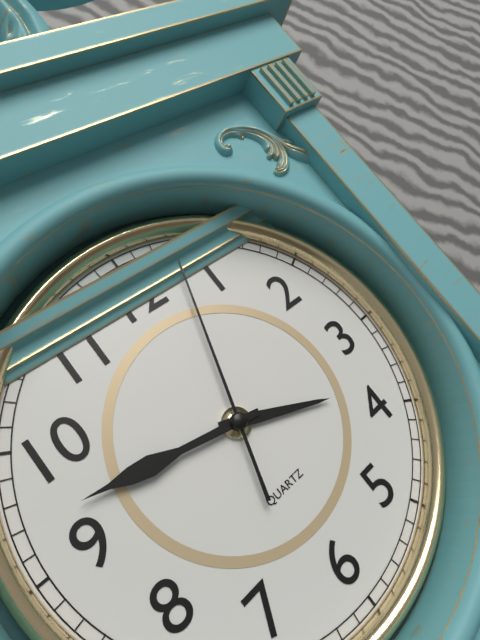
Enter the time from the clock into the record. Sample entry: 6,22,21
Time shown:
3,47,03
